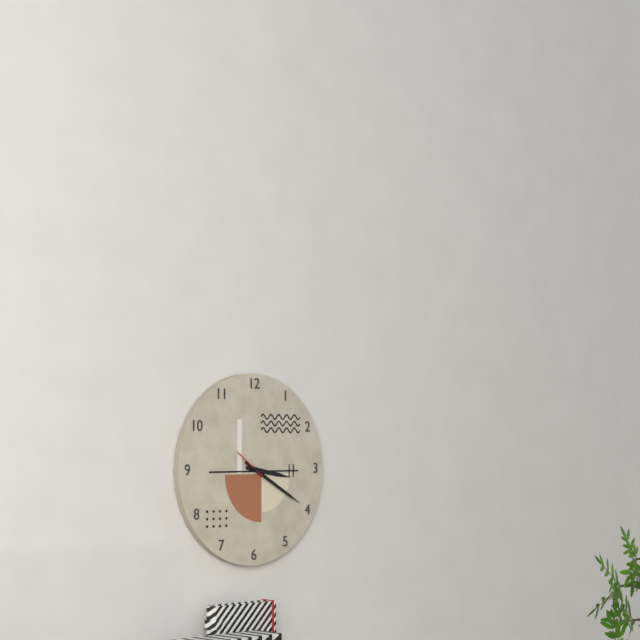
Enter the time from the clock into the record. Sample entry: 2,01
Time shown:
3,20
